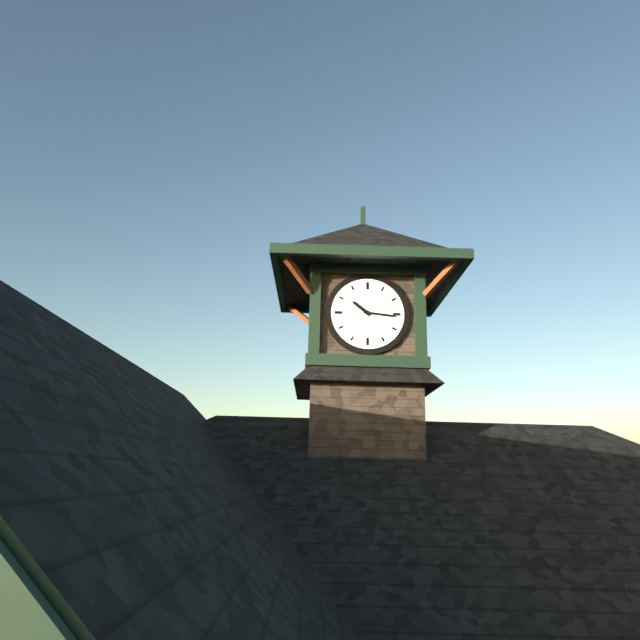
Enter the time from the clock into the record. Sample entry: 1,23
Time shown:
10,16
